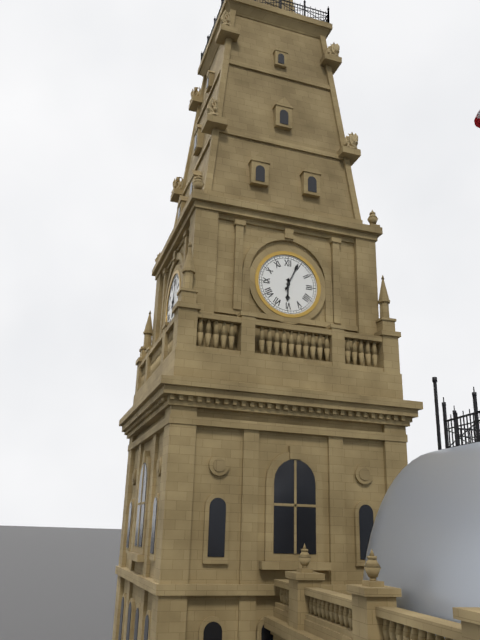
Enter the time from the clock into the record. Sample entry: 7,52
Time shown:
6,04
